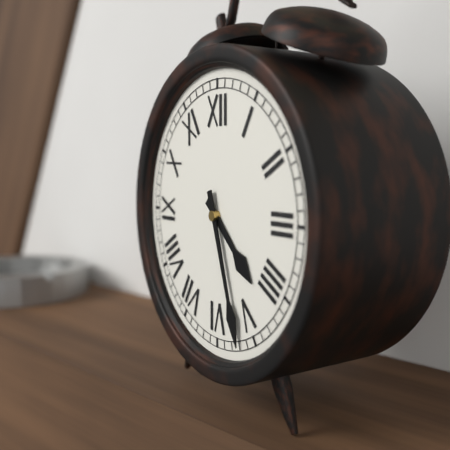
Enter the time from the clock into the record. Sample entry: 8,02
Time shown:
4,27
